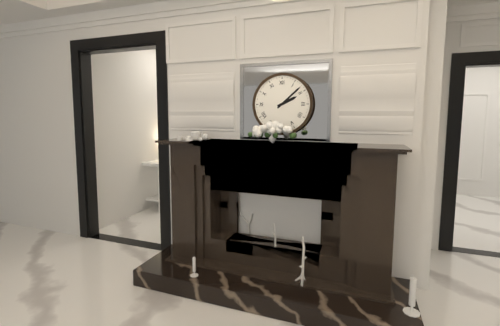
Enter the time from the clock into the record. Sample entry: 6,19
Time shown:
2,08
